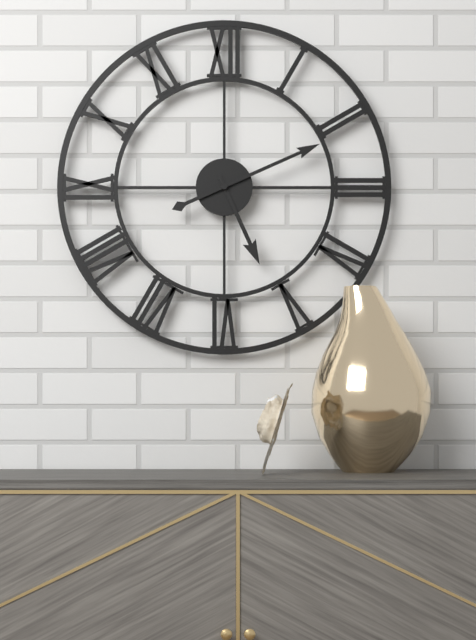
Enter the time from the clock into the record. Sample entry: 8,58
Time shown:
5,11
